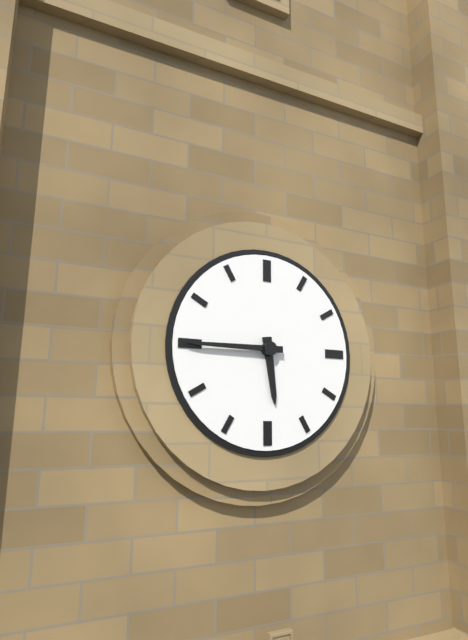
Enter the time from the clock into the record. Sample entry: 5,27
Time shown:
5,45
